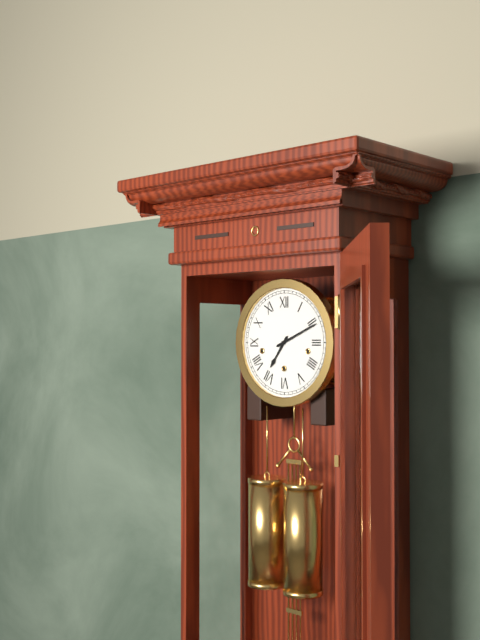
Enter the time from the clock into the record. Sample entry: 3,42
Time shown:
7,11
